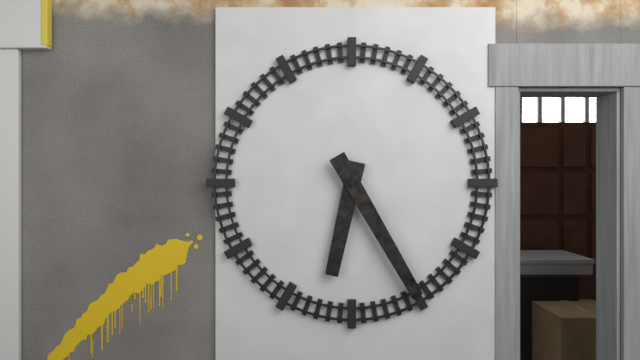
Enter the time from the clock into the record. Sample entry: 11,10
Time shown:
6,25
